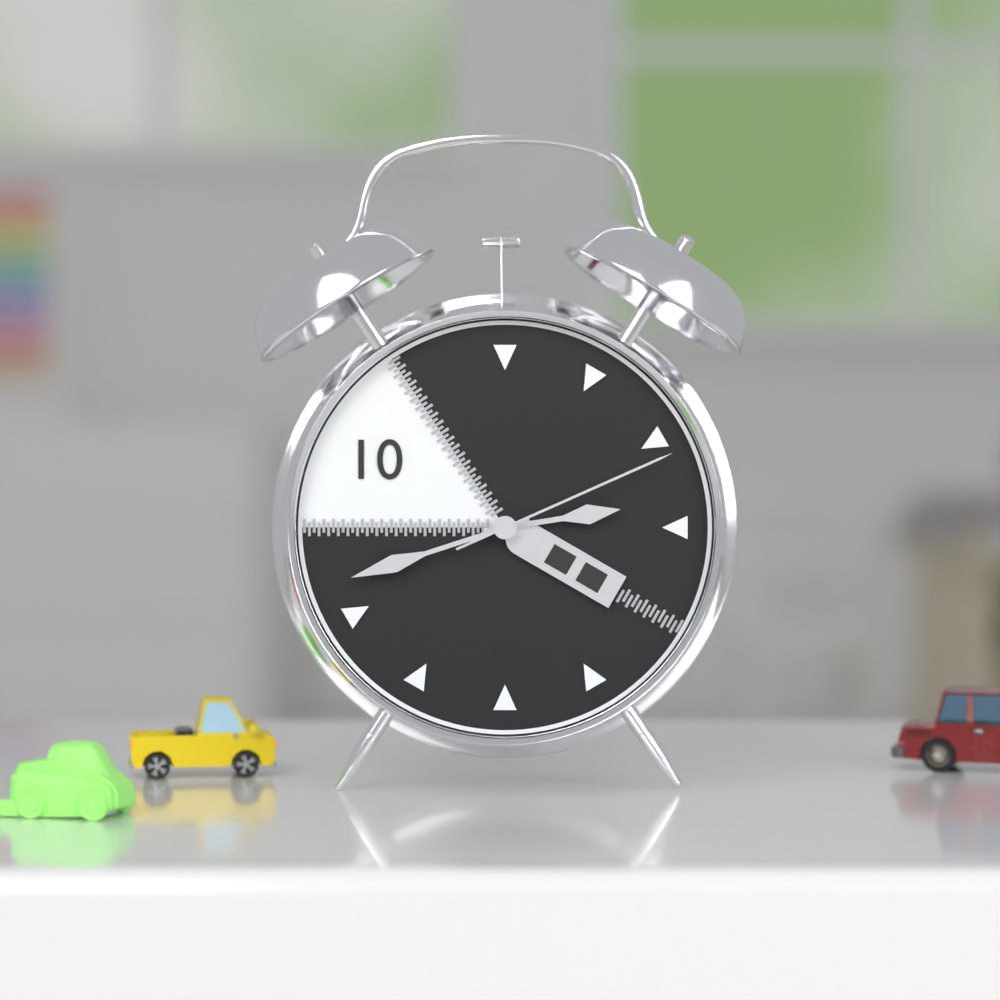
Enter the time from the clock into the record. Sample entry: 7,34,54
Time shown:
2,42,11
